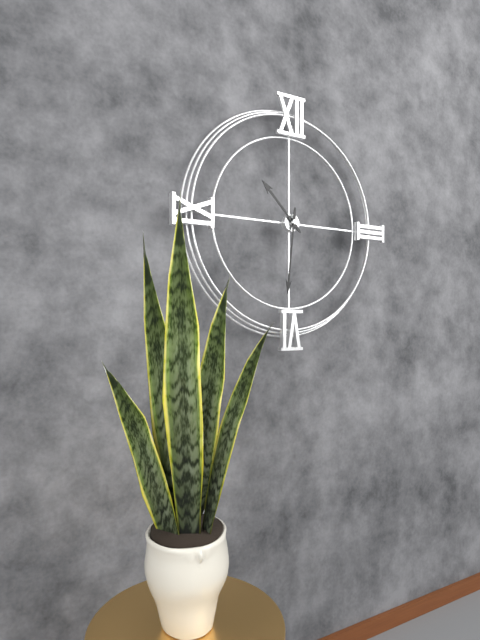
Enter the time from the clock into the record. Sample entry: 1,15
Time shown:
10,31
